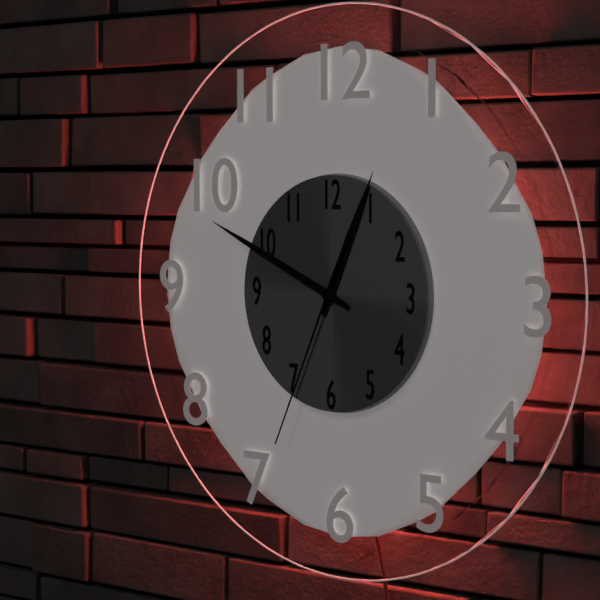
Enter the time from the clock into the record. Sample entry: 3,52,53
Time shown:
12,49,34
